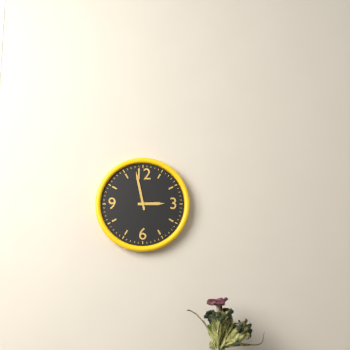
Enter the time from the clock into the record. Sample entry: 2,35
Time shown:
2,58
